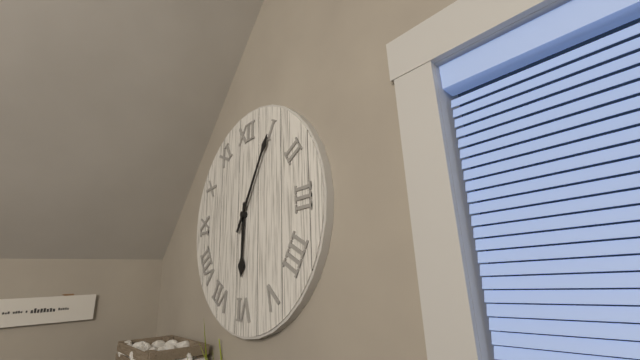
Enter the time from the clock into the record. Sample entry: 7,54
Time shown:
6,05
